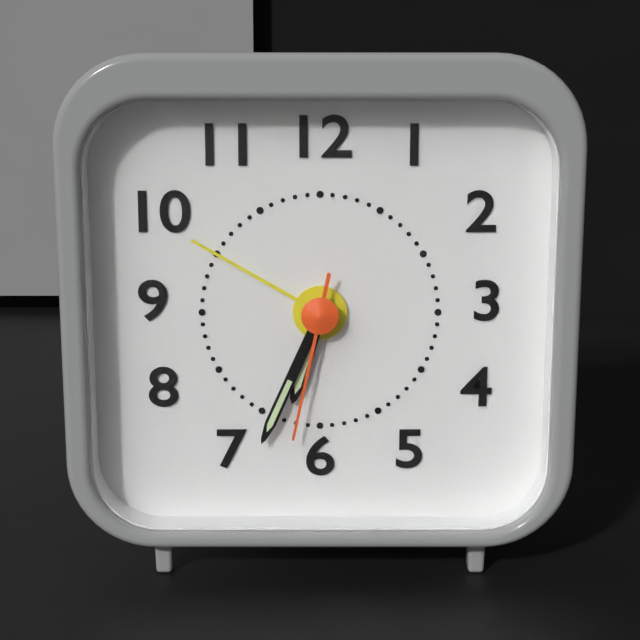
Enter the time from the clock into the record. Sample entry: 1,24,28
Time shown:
6,34,32
